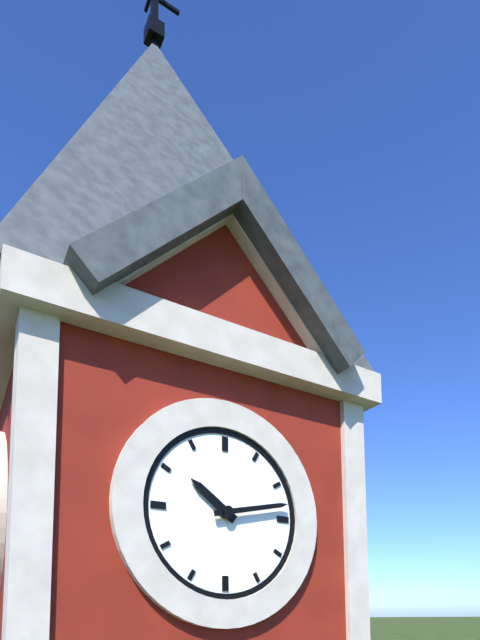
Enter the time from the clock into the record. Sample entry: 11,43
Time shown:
10,13
